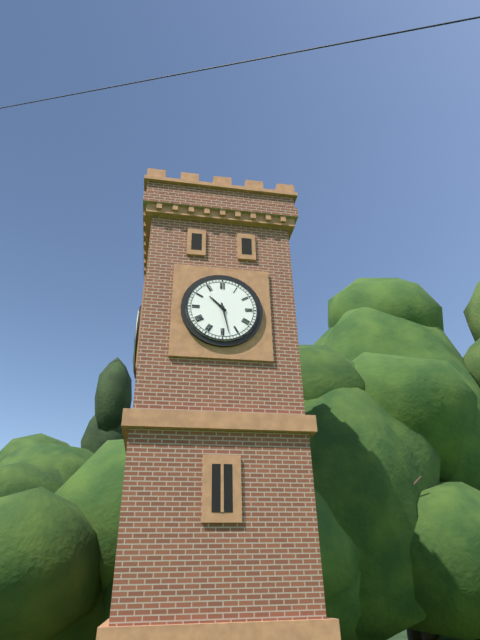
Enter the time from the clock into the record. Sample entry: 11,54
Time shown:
10,28
